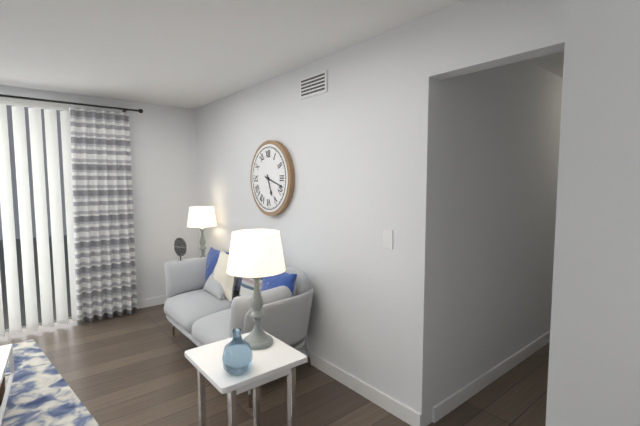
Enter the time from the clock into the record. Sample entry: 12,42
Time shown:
5,18
